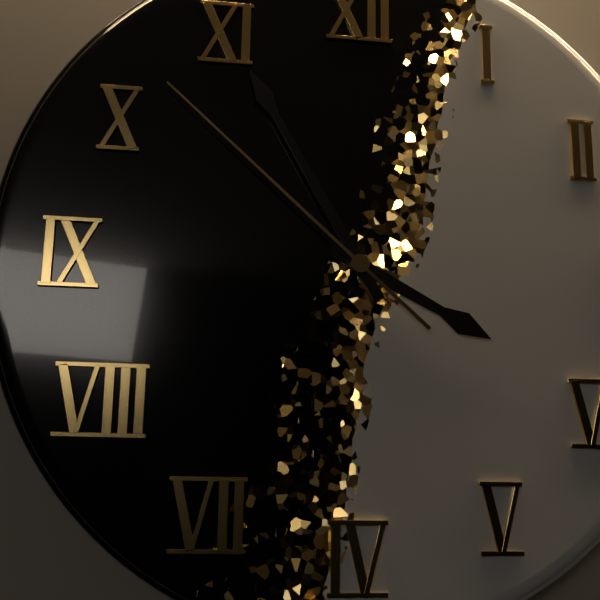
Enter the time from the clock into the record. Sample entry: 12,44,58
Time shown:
3,55,52
